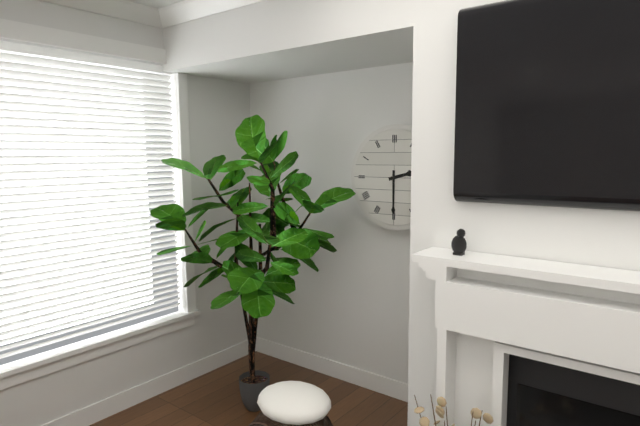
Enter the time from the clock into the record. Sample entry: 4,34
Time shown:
2,30
